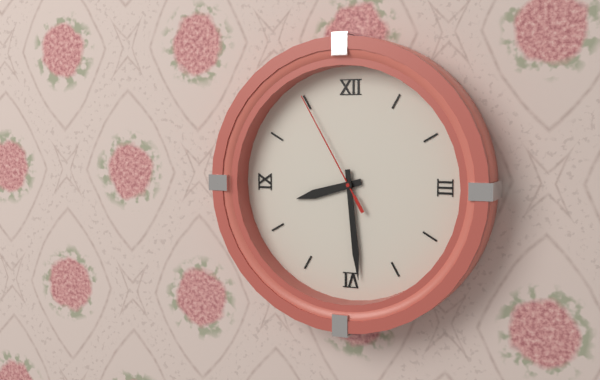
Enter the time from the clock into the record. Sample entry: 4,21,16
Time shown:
8,29,55
